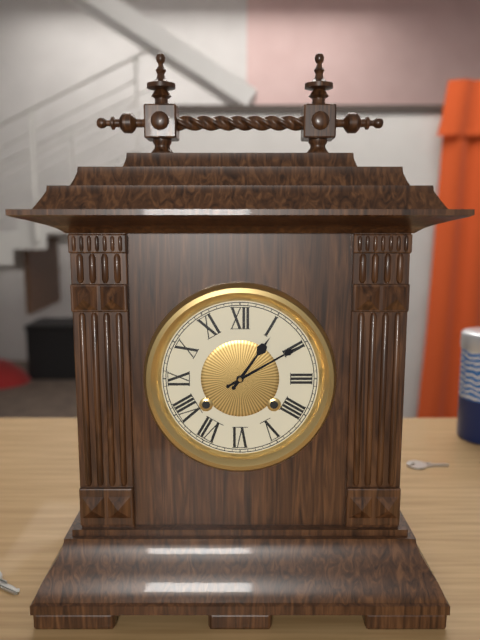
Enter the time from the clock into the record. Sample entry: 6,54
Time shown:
1,10
